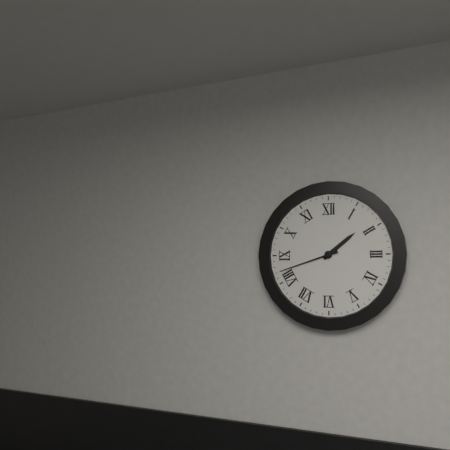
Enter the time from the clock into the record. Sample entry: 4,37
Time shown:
1,42
